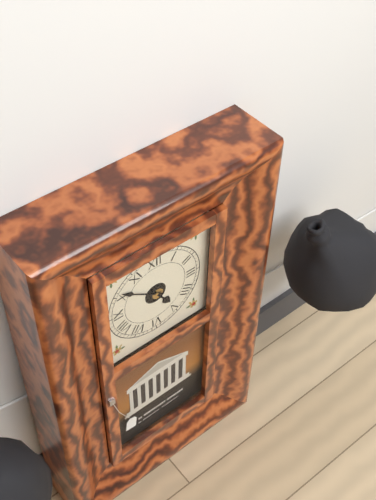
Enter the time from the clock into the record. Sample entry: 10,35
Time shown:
4,51
